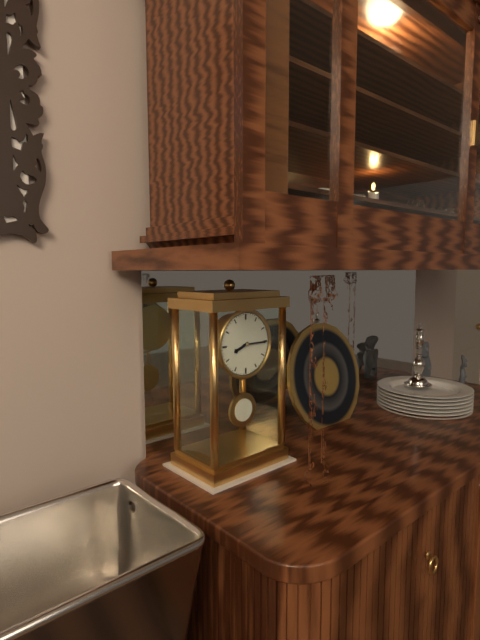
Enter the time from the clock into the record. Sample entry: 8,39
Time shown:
8,15
